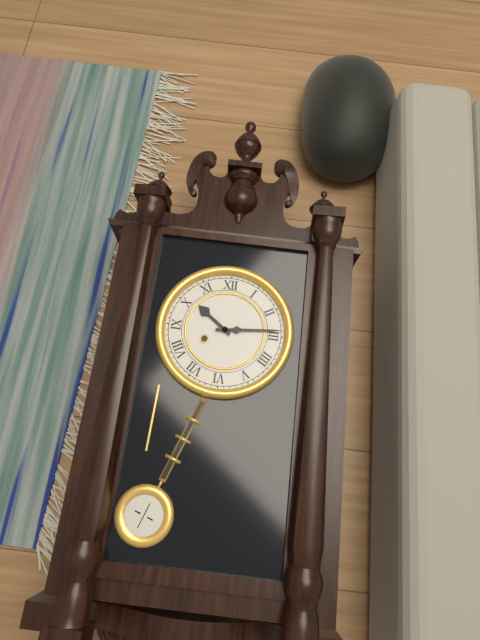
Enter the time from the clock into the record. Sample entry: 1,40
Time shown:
10,14
